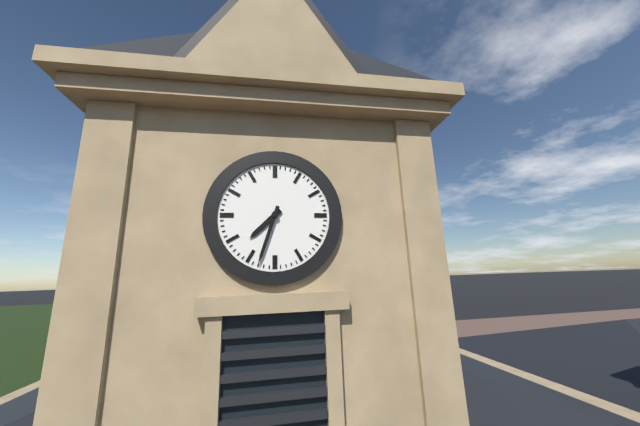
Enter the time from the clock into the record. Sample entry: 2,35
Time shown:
7,33
